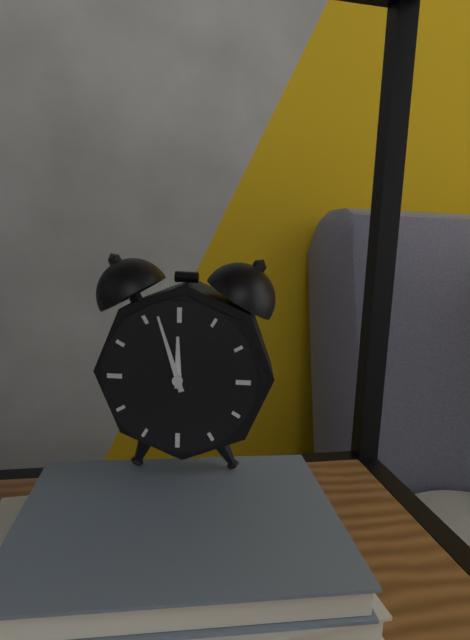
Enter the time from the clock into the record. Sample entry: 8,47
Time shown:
11,57
